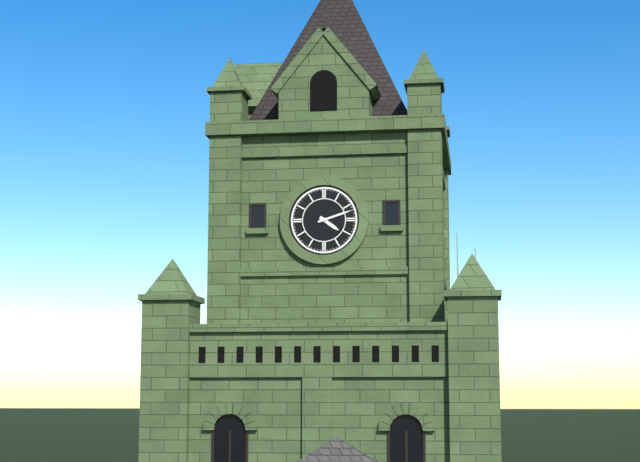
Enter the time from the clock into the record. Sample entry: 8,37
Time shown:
4,12
